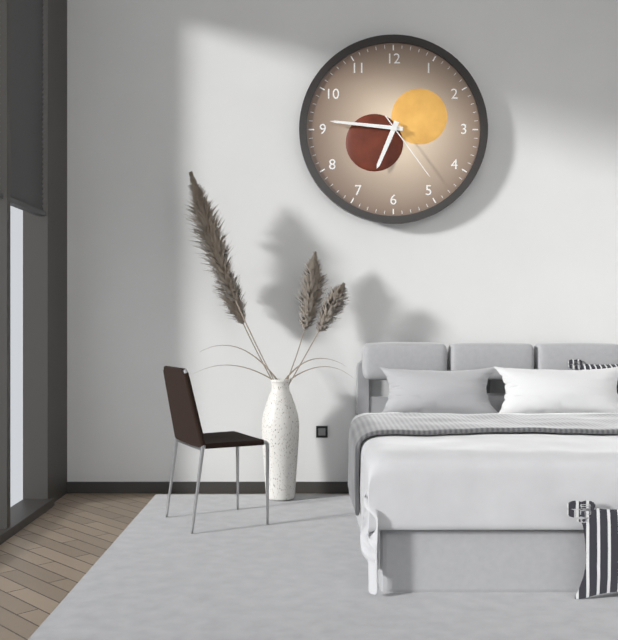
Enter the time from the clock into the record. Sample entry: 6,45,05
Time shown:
6,46,24
